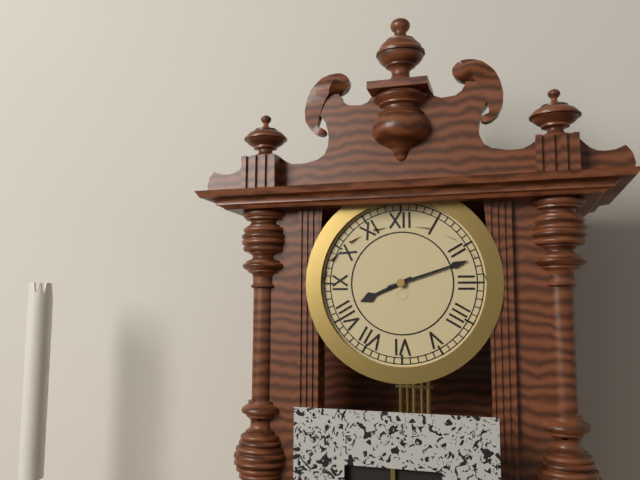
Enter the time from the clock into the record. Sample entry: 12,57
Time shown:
8,12
